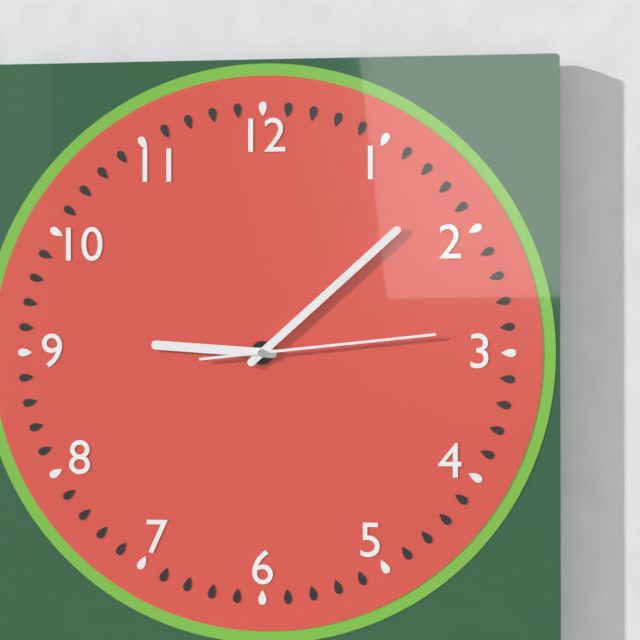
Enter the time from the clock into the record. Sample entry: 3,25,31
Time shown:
9,08,14
